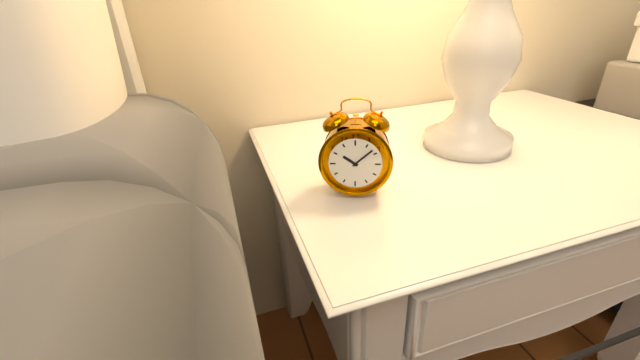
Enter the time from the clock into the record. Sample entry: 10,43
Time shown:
10,08
